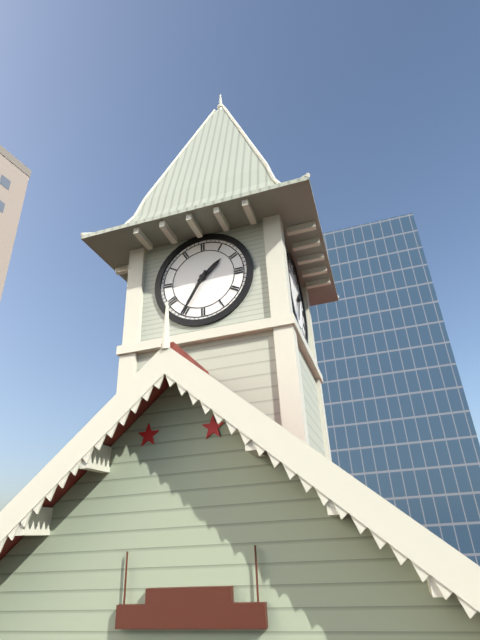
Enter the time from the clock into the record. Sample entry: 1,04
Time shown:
1,35
